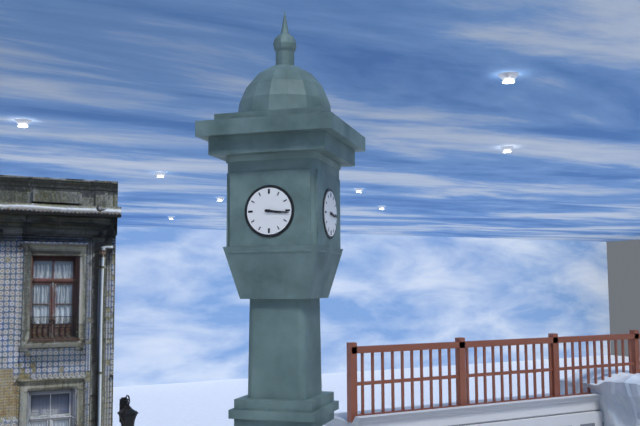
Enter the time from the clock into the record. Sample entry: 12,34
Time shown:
3,16
